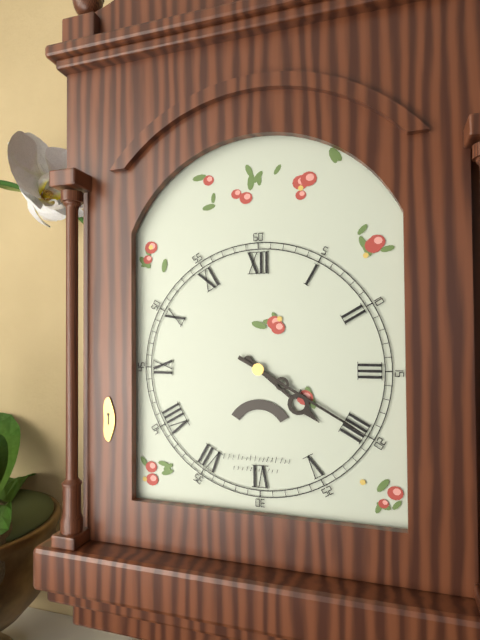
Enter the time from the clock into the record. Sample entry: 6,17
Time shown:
4,20
